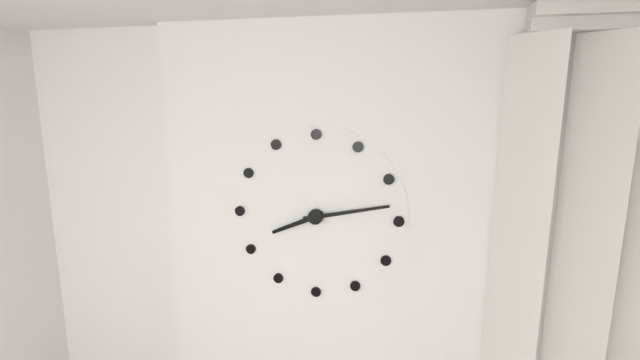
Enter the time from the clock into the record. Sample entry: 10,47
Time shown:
8,13
